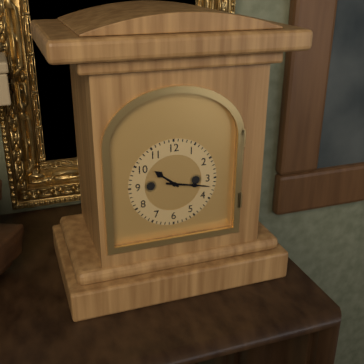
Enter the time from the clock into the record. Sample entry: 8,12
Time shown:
10,17
